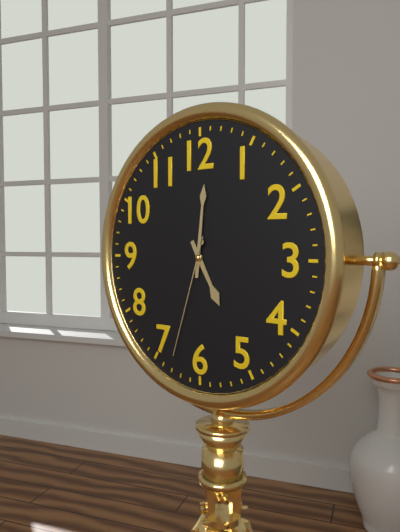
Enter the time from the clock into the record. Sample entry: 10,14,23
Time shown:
5,01,33
